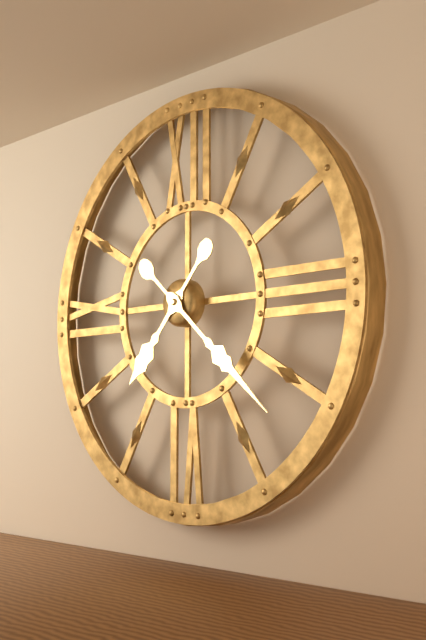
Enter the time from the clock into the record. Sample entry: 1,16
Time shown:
7,22
